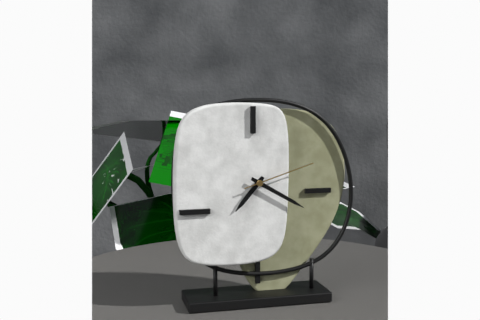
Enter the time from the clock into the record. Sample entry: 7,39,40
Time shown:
7,20,12
